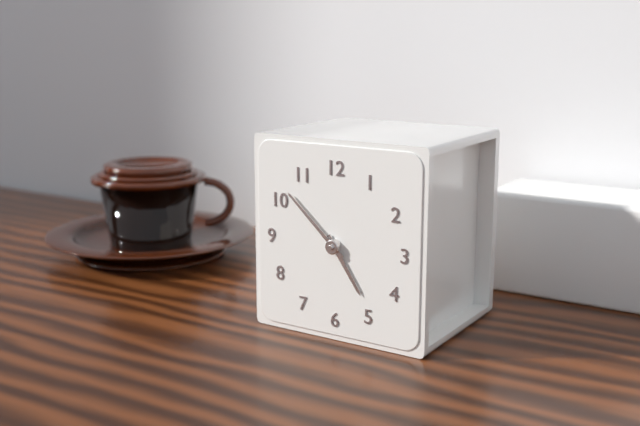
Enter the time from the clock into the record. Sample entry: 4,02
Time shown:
4,52
